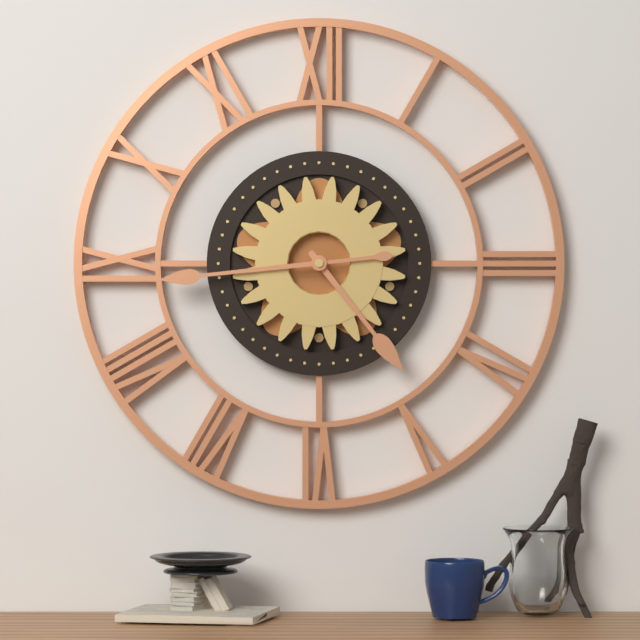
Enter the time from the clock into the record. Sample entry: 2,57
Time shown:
4,44
